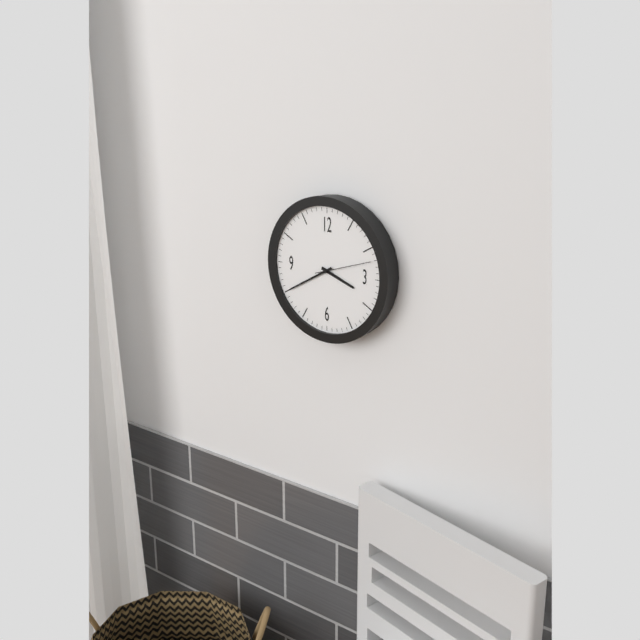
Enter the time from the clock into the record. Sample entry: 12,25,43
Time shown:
3,40,12
